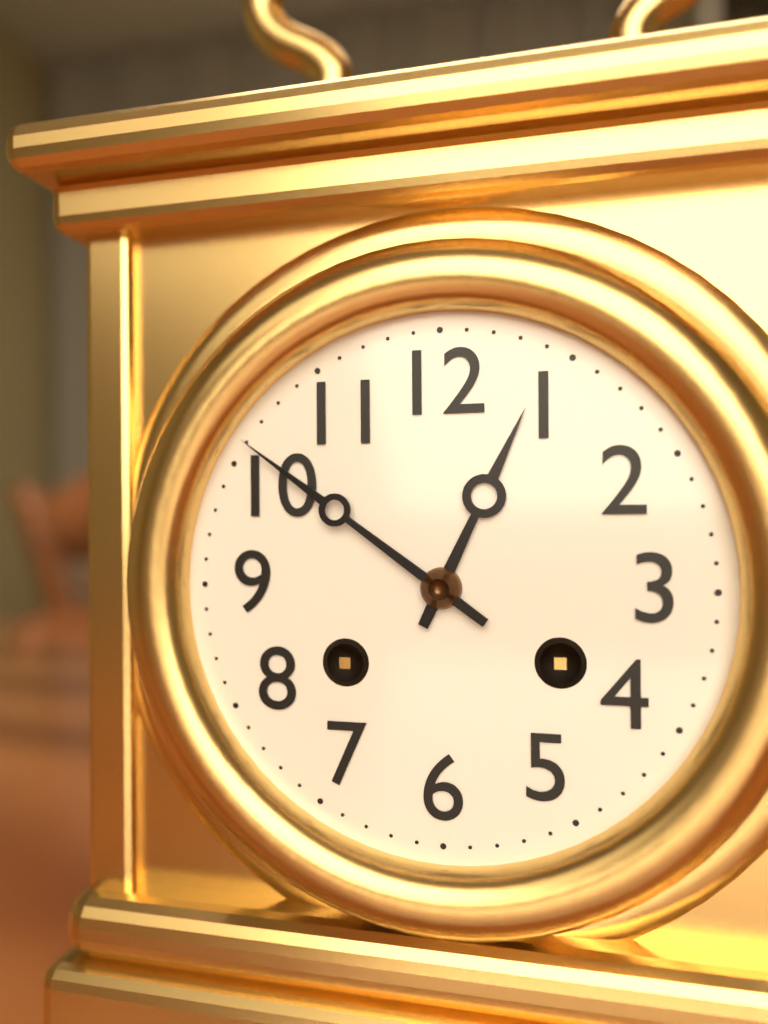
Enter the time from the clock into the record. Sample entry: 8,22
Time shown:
12,51
